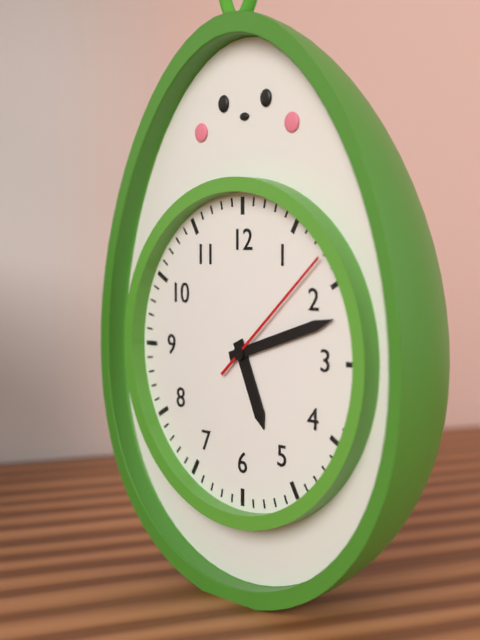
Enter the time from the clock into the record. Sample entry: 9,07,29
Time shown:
5,12,08
